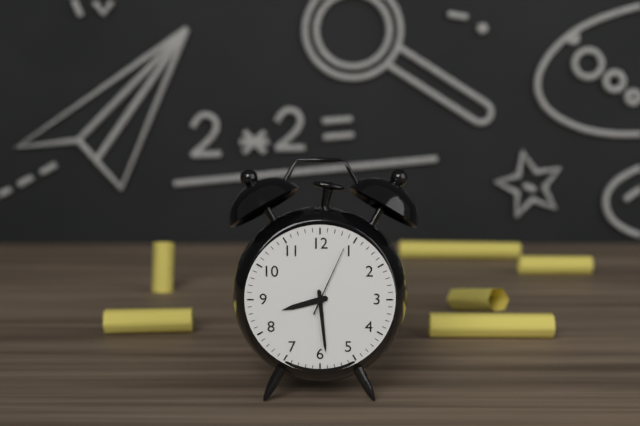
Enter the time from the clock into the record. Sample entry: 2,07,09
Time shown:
8,29,04
